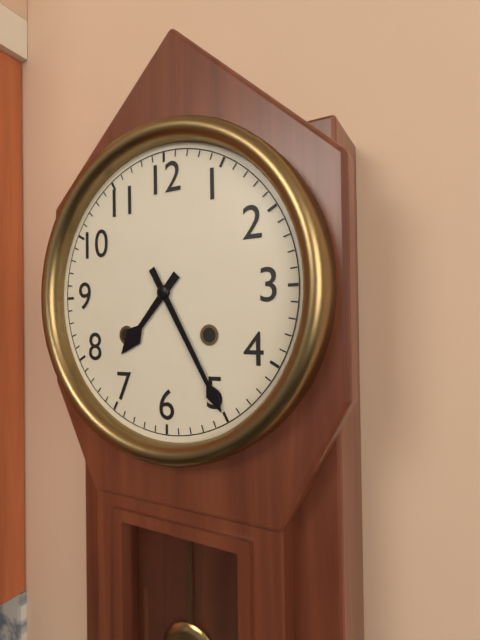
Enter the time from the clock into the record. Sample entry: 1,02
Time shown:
7,25
